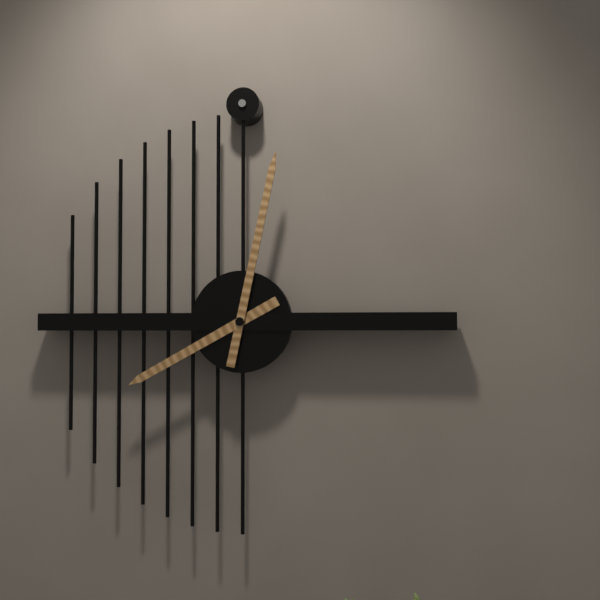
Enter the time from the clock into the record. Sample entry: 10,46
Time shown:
8,02
